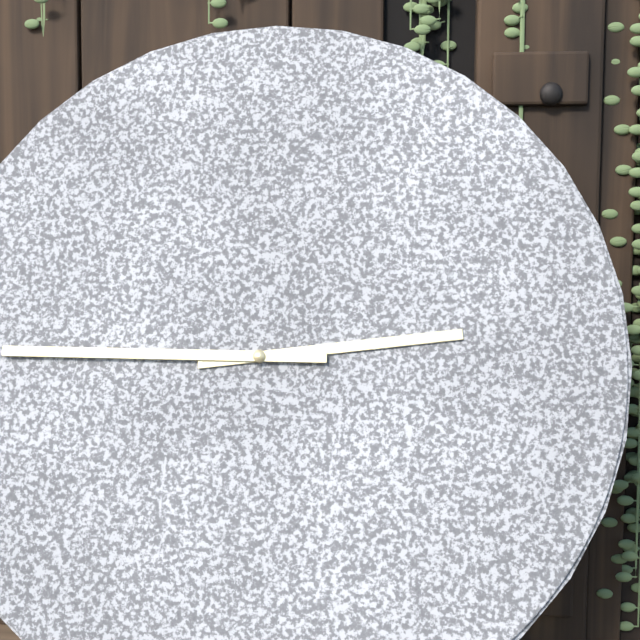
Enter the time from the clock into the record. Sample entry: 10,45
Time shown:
2,45
